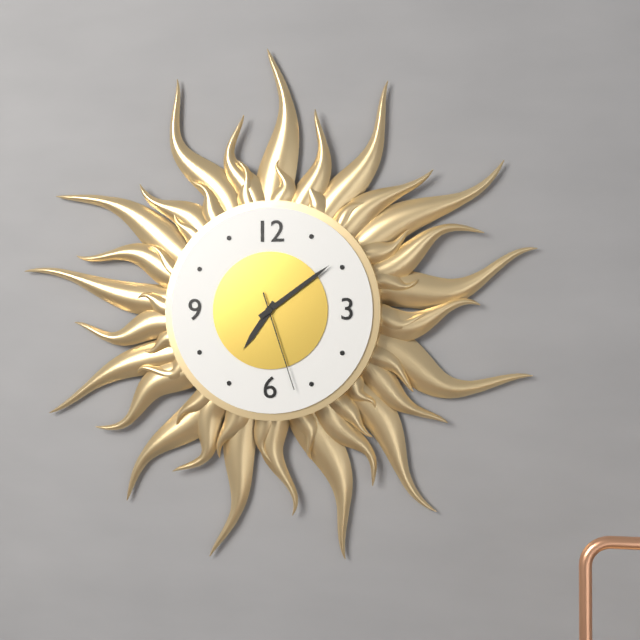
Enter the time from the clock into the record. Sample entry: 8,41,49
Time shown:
7,09,27
